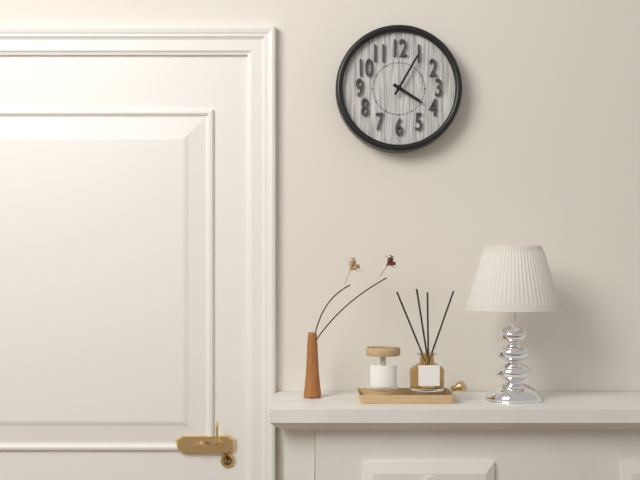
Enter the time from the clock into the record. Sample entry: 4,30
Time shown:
4,05
